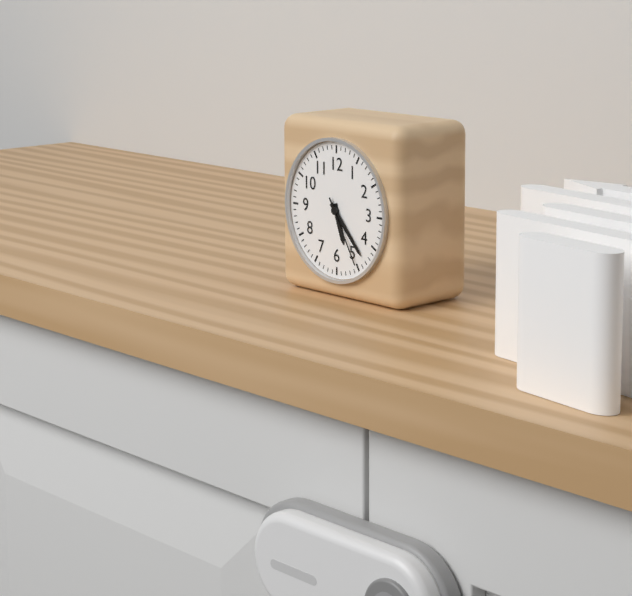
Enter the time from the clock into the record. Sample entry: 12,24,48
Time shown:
5,23,25
